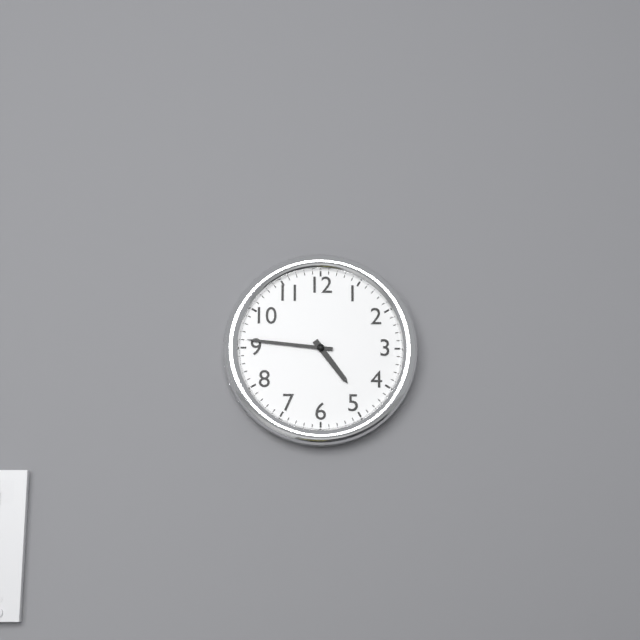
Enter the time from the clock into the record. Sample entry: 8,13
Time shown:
4,46
